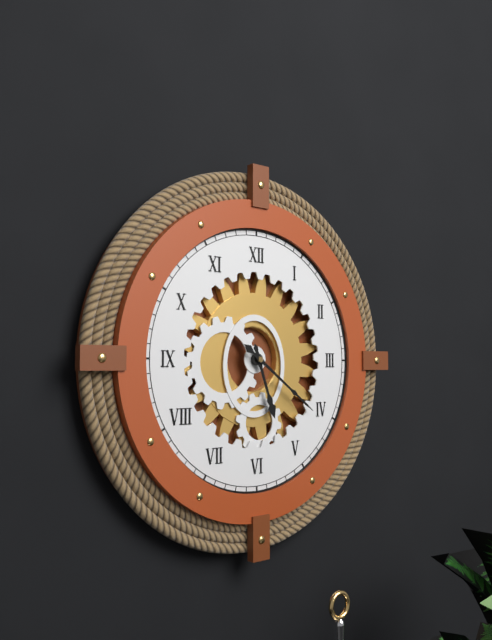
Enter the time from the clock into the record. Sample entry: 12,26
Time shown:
5,21
